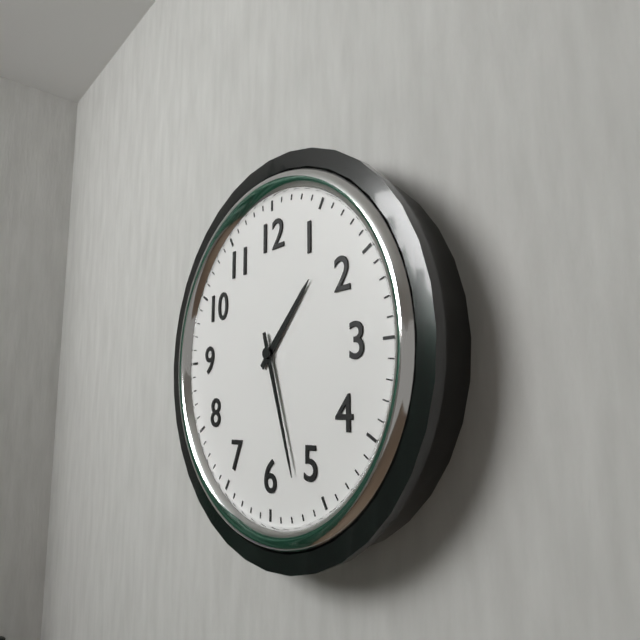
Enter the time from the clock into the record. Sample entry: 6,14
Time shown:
1,27
